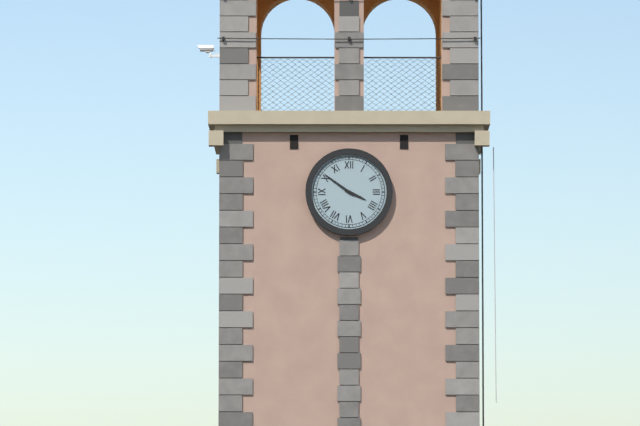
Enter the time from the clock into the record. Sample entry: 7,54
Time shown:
3,51
